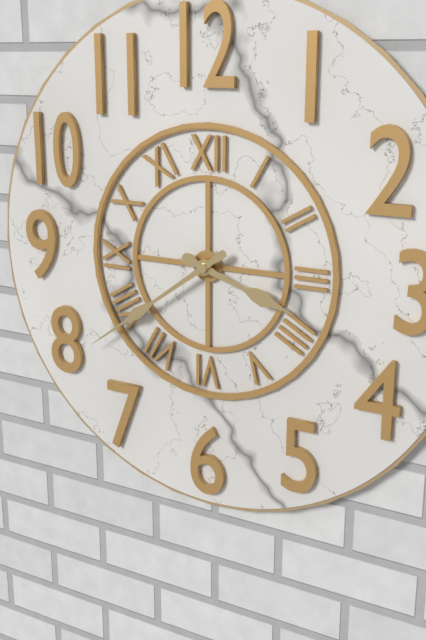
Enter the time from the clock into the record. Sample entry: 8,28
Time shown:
3,39
